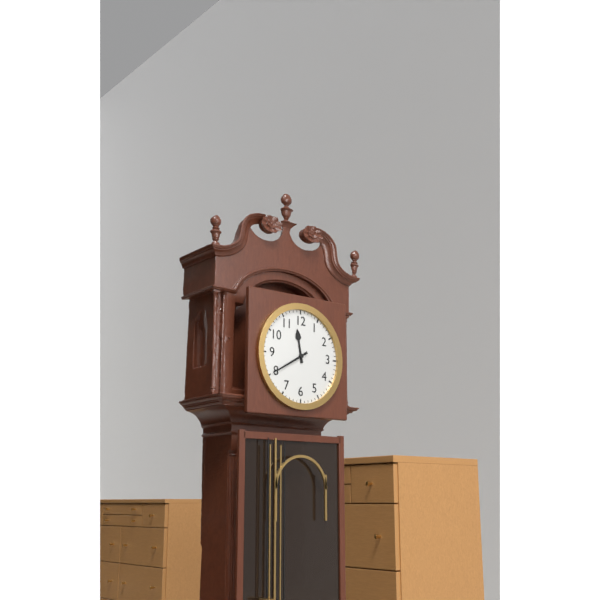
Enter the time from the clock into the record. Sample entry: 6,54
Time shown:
11,40
